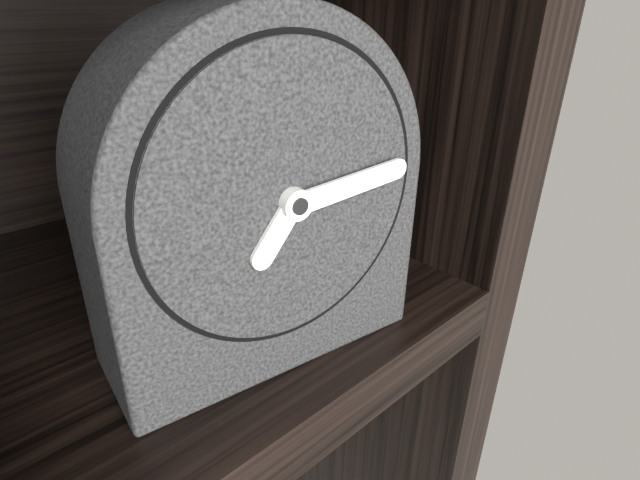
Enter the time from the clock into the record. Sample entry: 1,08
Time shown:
7,14
